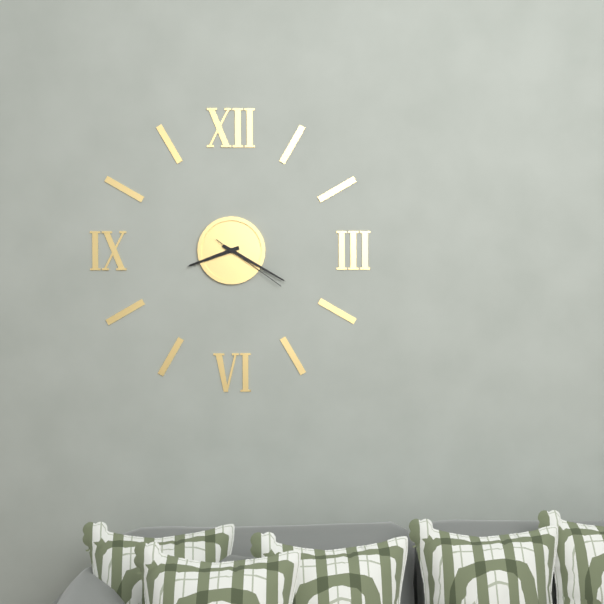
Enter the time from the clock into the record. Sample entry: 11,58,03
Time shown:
8,20,21
